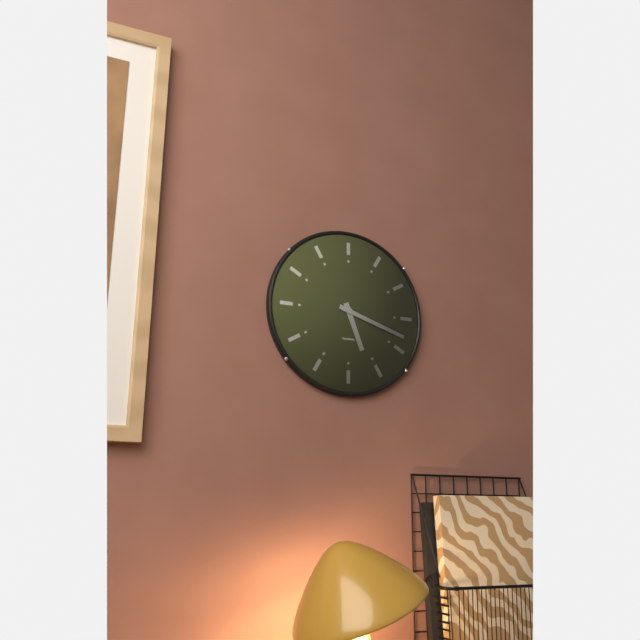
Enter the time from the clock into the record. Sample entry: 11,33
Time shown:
5,18
